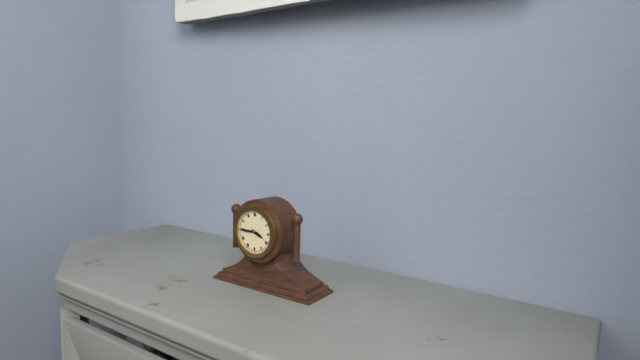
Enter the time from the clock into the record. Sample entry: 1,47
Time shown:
3,45
